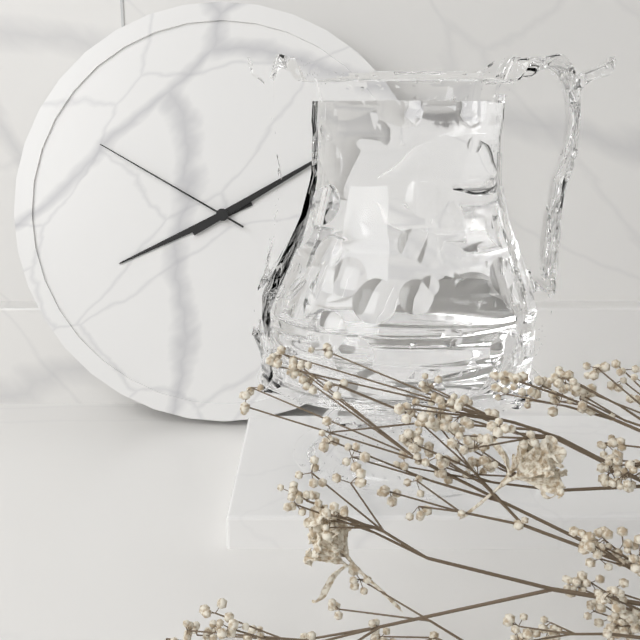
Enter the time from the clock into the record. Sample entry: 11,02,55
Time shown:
8,10,50
